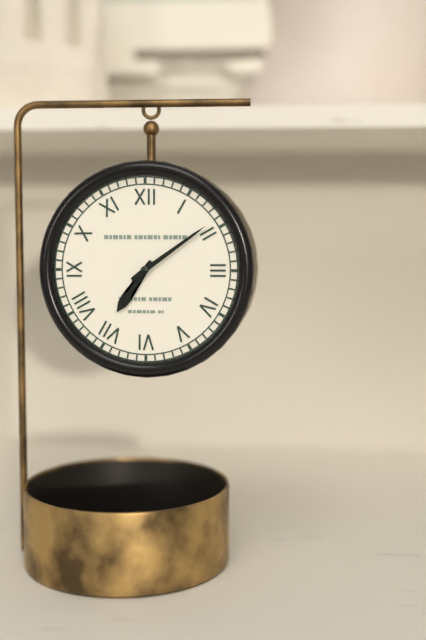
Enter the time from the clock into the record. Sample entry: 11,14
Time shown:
7,09
